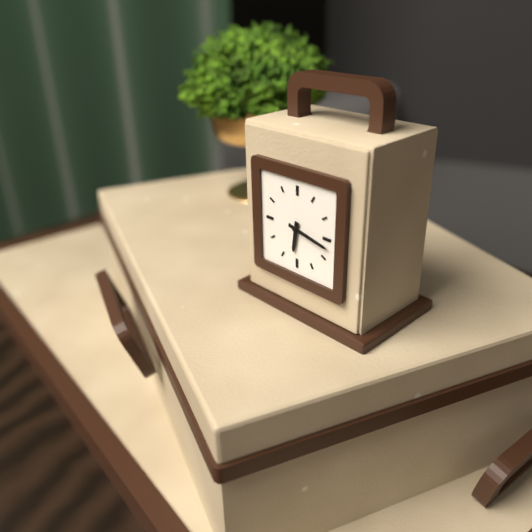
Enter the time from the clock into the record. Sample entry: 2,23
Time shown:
6,17
